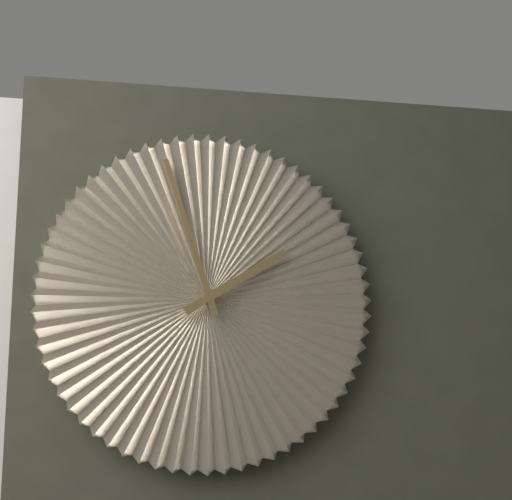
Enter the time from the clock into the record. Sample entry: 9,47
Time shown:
1,57
